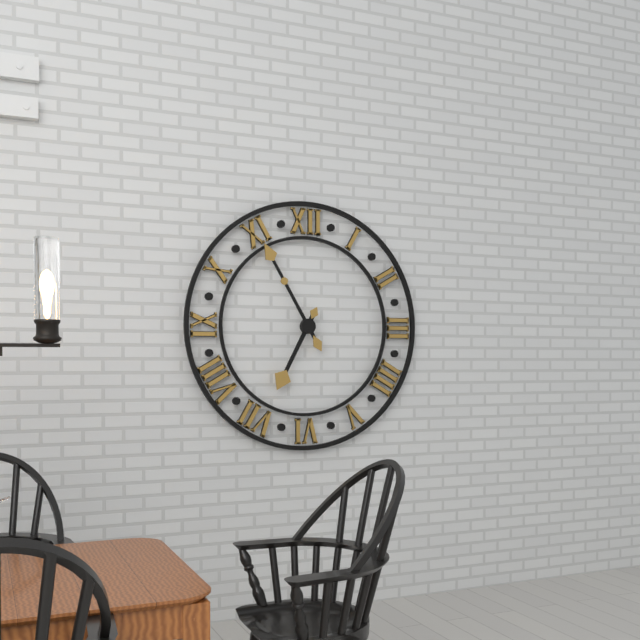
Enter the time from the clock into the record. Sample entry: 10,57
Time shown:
6,55
